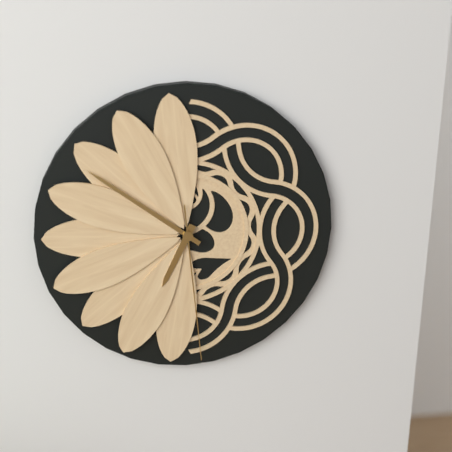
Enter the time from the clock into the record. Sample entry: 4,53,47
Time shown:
6,51,29
